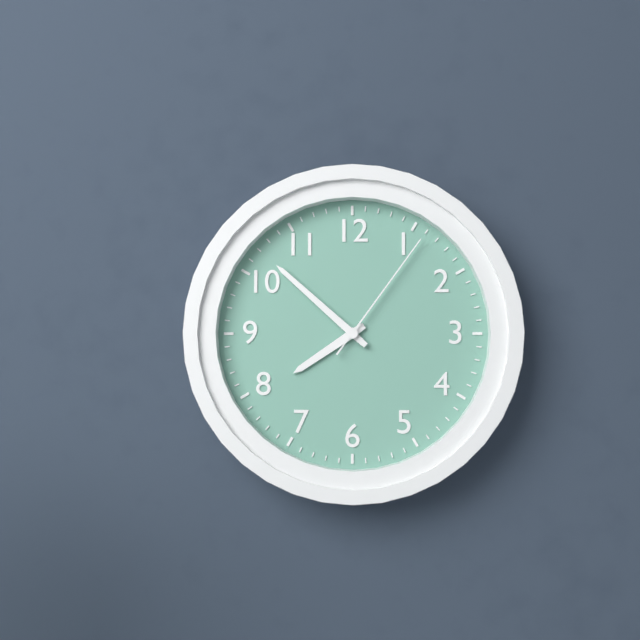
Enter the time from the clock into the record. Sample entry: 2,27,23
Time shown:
7,52,06
